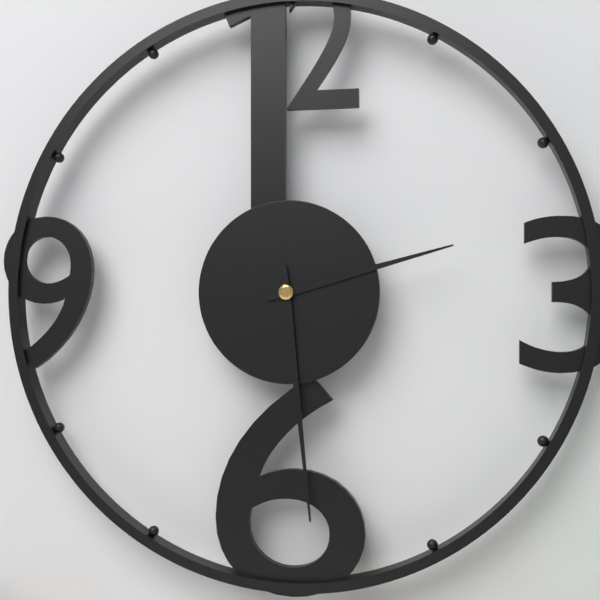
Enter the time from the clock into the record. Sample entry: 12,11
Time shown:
2,29
